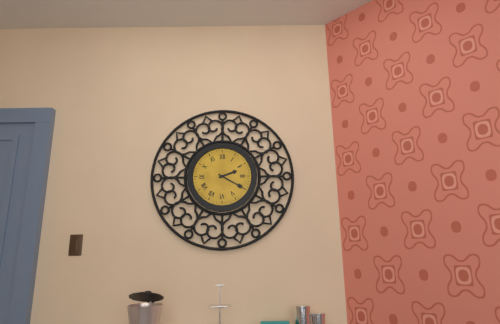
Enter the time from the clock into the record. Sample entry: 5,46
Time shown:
2,20
